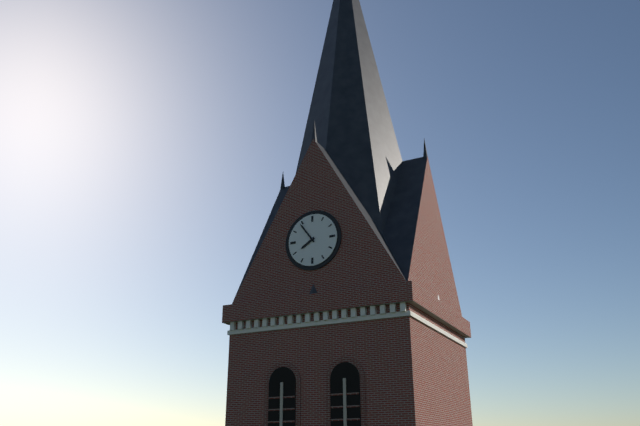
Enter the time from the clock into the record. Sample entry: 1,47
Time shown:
7,54
